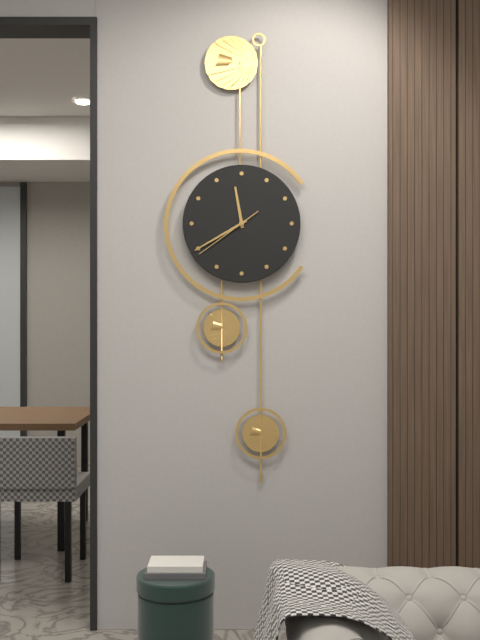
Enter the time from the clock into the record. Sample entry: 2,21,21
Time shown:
11,40,39
